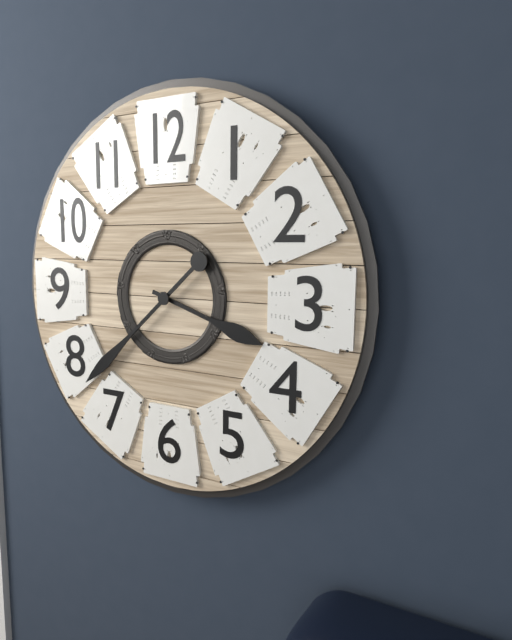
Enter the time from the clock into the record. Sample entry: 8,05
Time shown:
3,38
